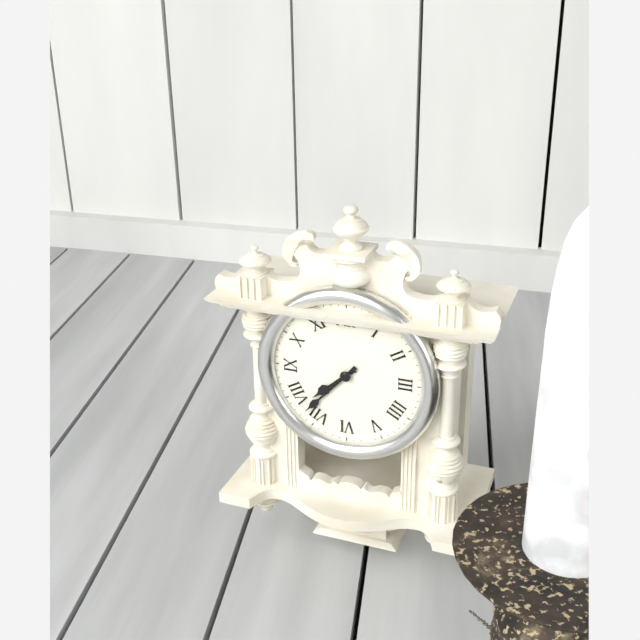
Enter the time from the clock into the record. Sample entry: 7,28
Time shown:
7,37
